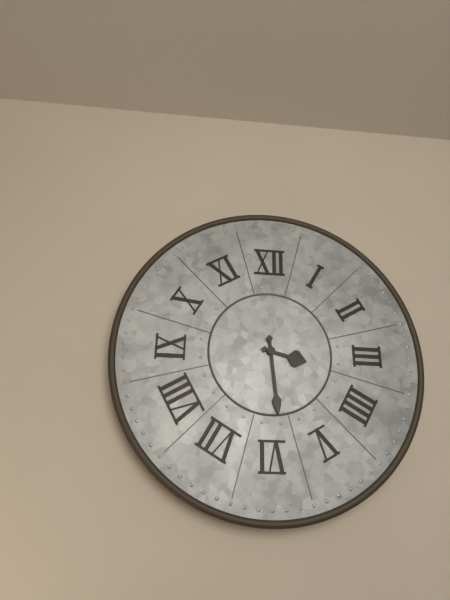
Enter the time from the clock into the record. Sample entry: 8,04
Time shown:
3,29
